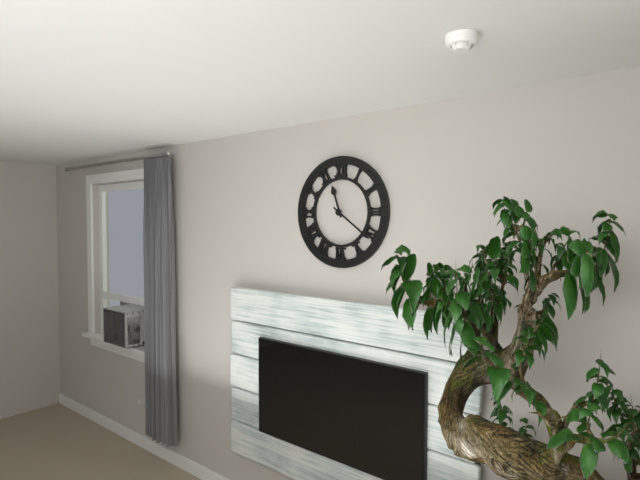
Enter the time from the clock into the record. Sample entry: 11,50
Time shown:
11,21
